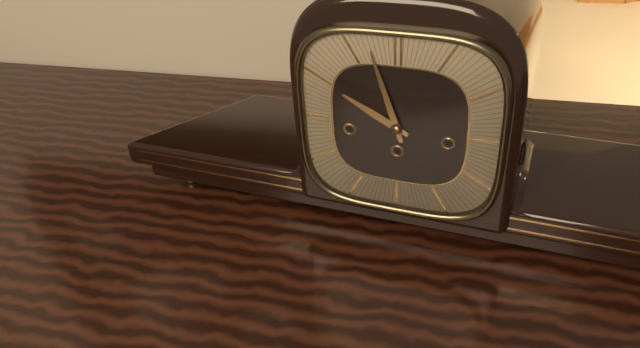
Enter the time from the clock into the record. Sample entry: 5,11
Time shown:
9,57
